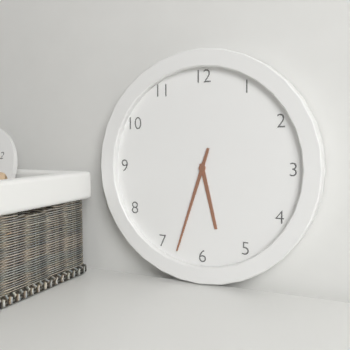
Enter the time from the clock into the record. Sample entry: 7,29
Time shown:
5,33
